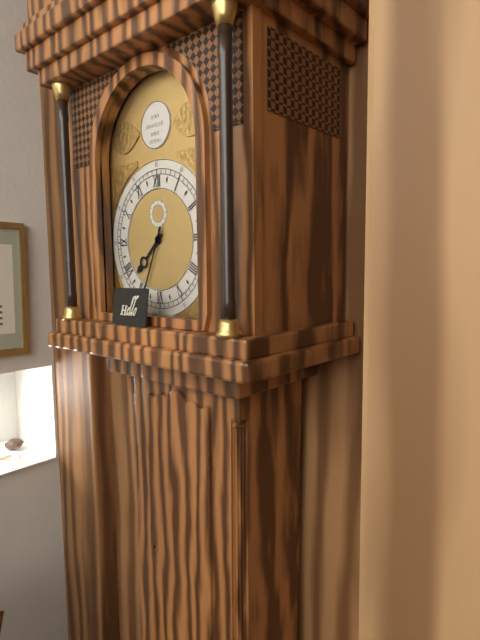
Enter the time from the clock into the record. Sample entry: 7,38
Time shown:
7,34
